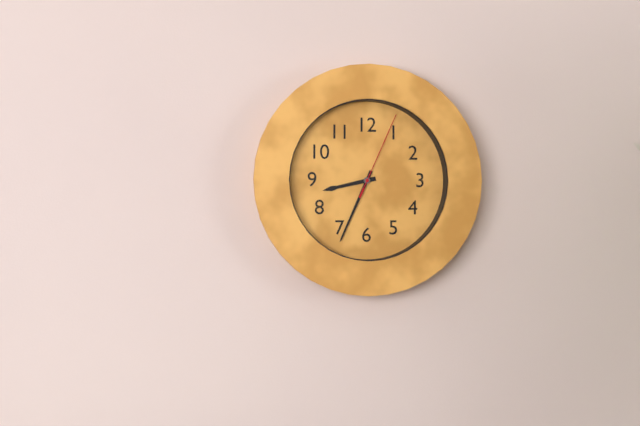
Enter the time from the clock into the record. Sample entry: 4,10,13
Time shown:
8,34,04
